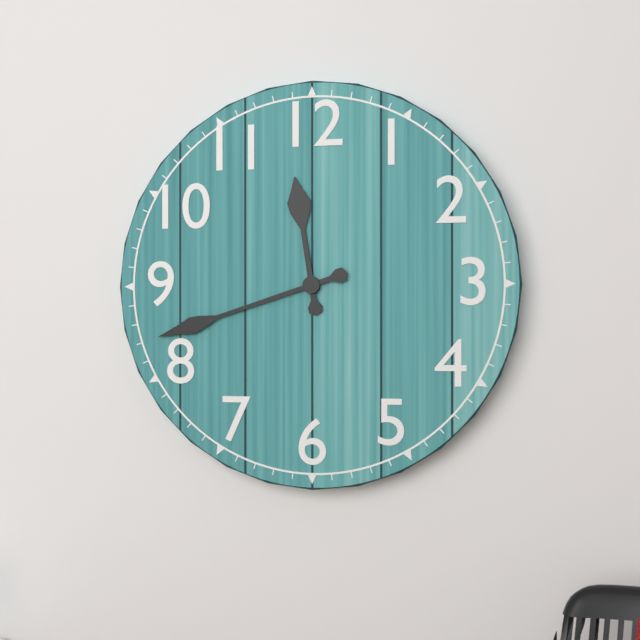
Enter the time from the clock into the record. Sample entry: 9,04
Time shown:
11,42
